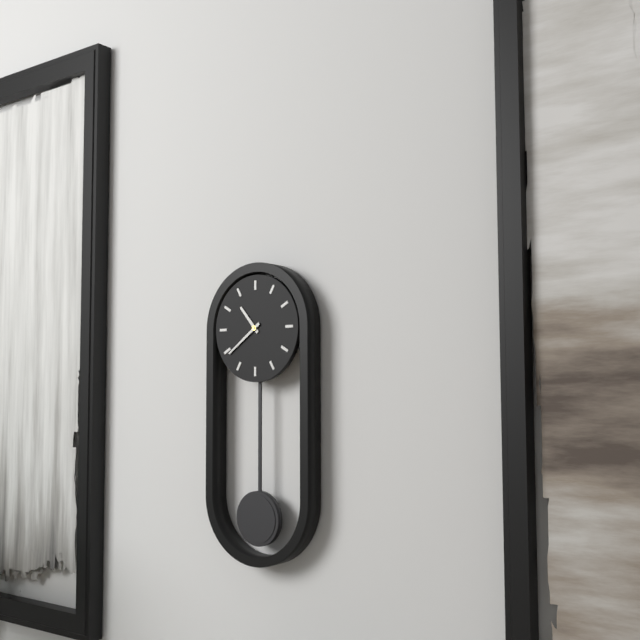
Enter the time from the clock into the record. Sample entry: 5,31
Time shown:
10,39
